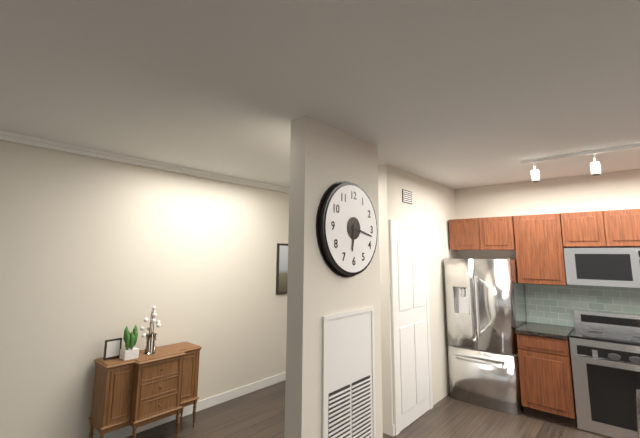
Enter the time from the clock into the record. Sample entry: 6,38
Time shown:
6,17
